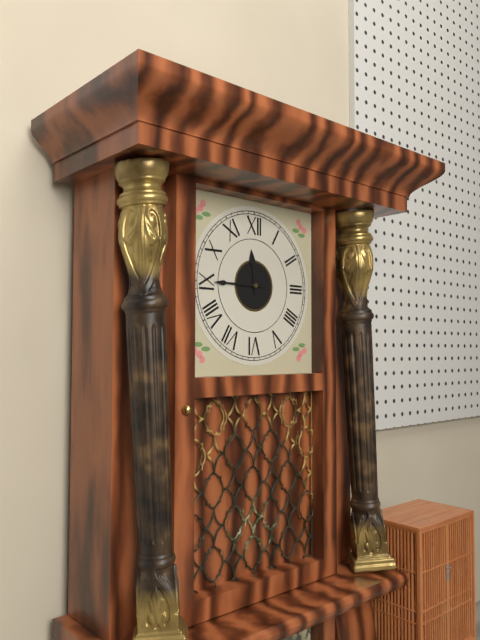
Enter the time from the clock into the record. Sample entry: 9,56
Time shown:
11,45
